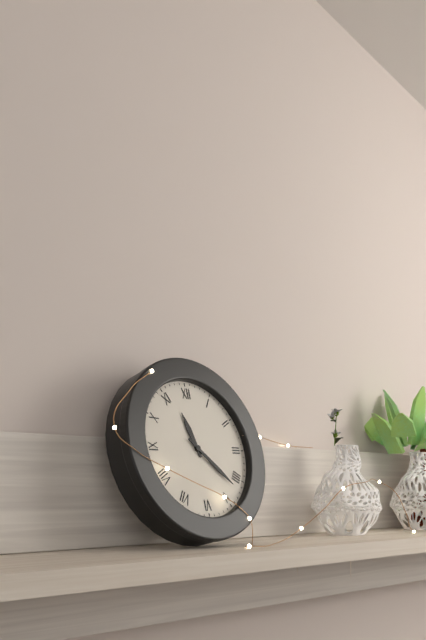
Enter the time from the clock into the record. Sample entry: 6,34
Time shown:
11,22
